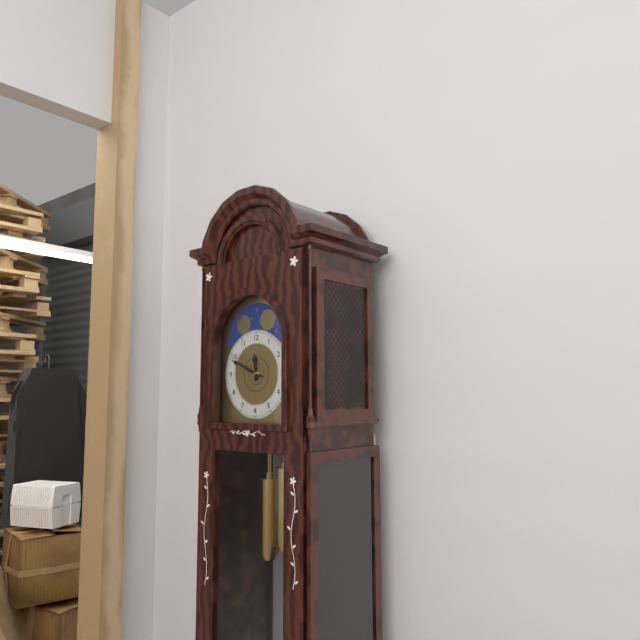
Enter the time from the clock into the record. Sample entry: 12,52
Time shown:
11,49
